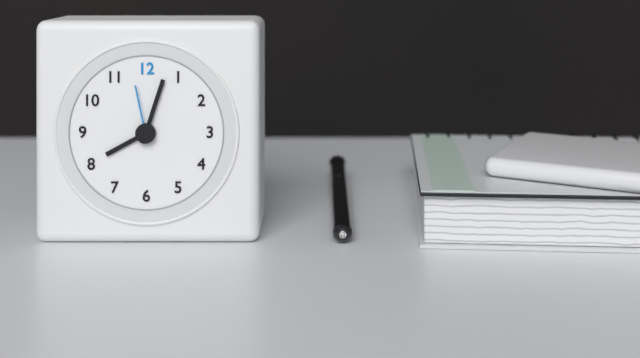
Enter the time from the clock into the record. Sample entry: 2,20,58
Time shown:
8,03,58
